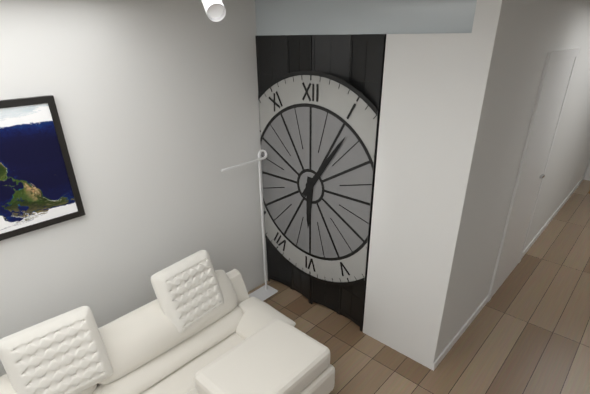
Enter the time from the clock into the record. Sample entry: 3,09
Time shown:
6,06
